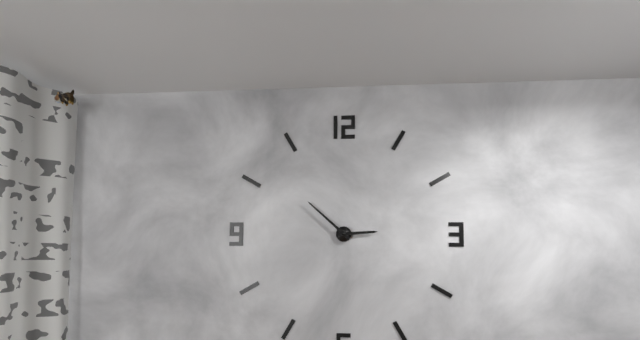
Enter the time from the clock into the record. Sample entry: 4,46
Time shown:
2,52
